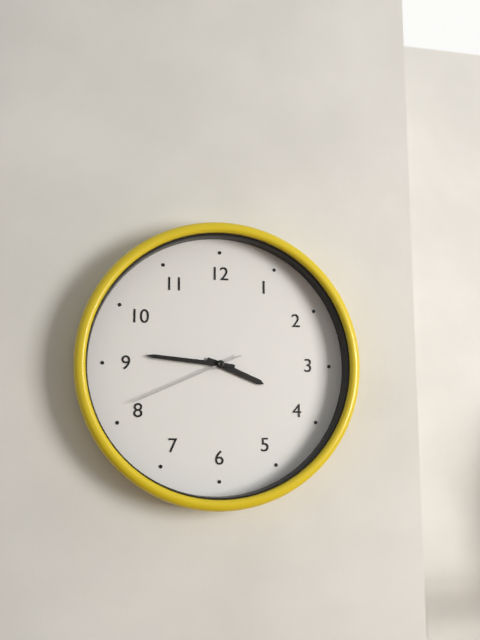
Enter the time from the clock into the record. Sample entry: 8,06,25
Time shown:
3,46,41
